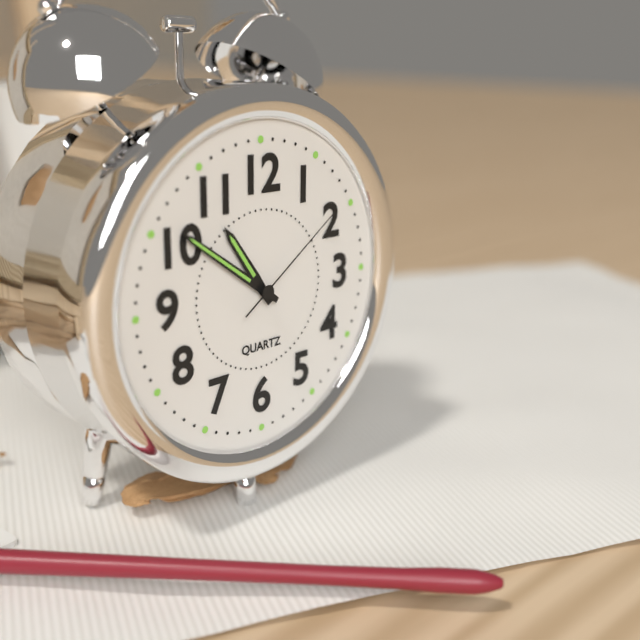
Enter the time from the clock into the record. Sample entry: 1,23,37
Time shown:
10,51,09
